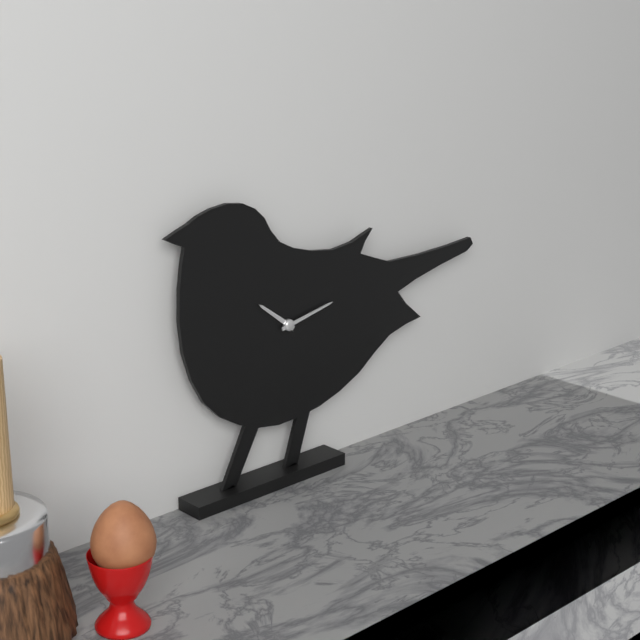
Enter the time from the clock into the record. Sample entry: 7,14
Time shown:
10,13
